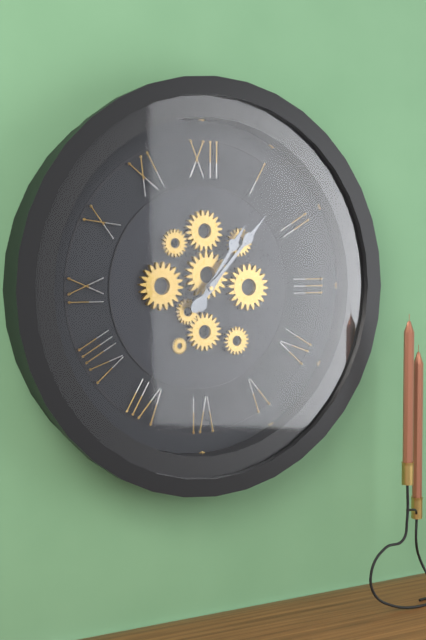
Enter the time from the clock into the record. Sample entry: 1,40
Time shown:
1,07
